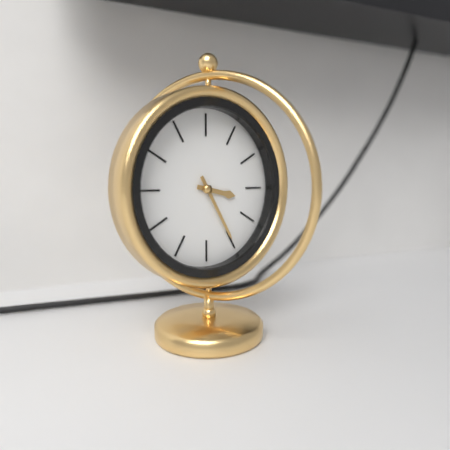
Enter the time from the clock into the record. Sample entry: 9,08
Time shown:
3,25
